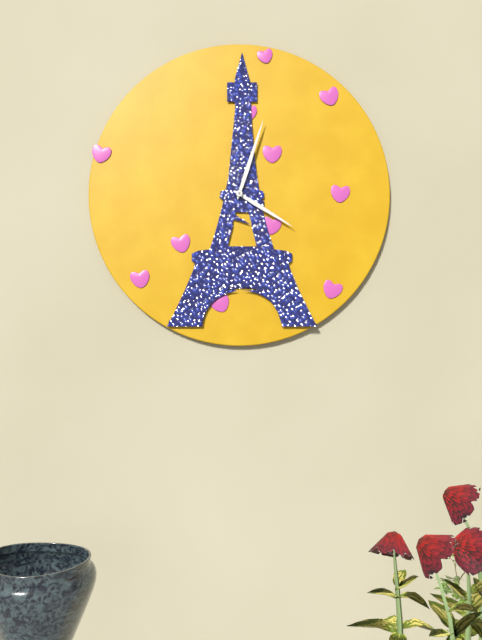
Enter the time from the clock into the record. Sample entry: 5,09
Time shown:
4,03
